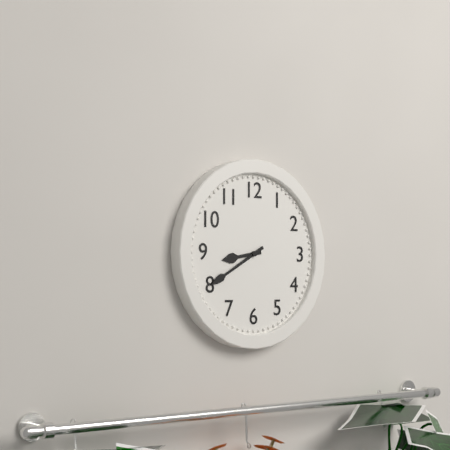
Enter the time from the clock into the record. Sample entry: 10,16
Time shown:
8,40
